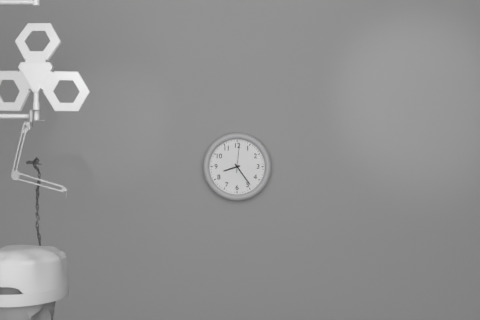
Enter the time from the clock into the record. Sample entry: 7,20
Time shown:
8,24
